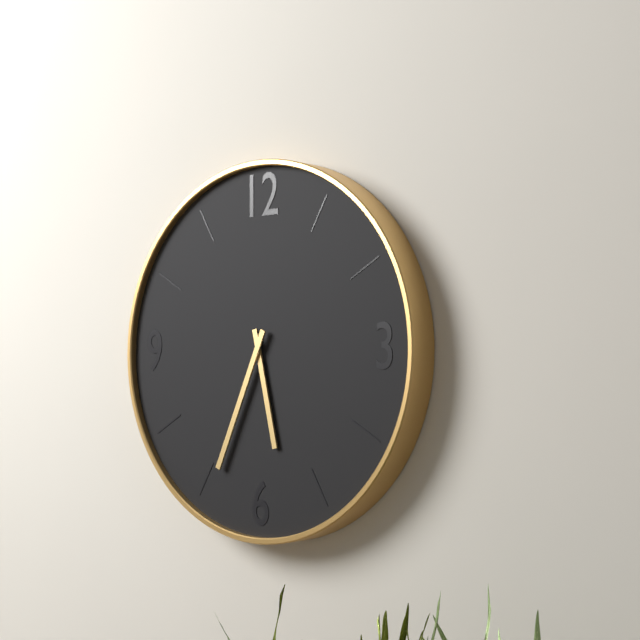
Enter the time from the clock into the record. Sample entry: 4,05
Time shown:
5,34
